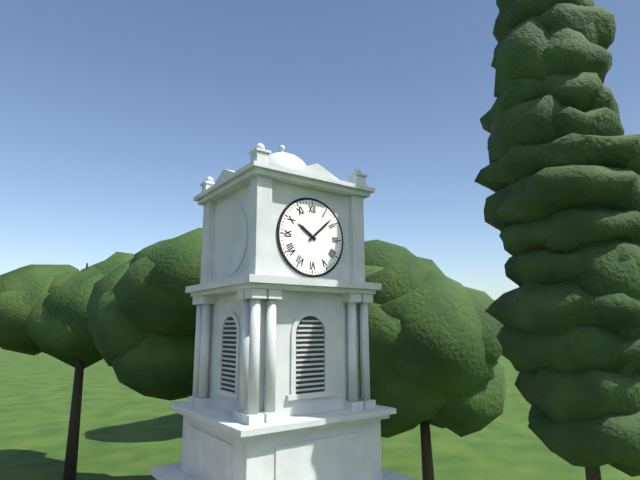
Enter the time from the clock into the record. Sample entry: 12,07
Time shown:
10,08
